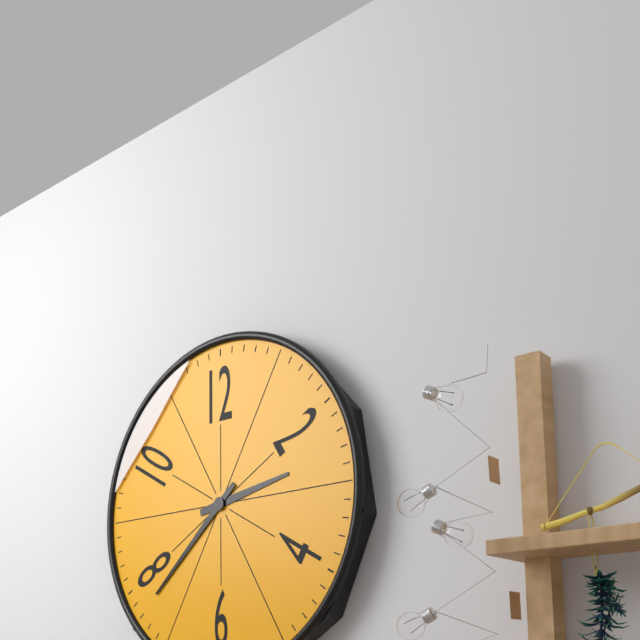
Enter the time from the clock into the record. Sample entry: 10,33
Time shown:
2,38
